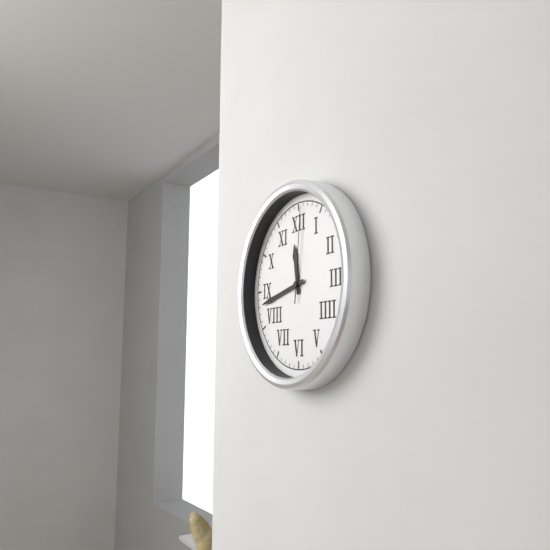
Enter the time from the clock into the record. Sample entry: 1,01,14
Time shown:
11,43,01
